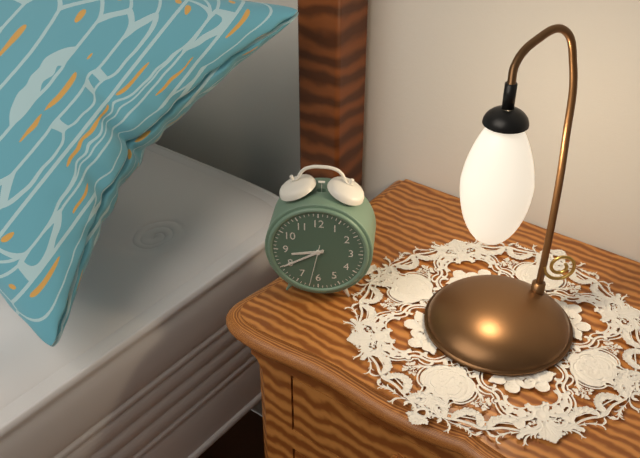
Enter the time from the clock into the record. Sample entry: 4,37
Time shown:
8,40
